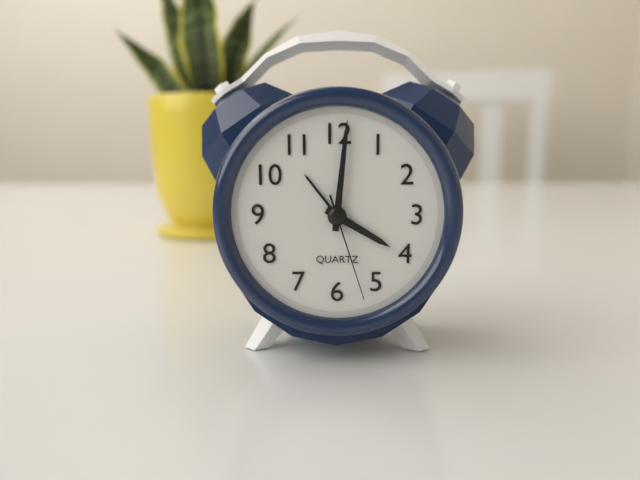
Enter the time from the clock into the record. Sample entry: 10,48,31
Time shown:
4,01,27
